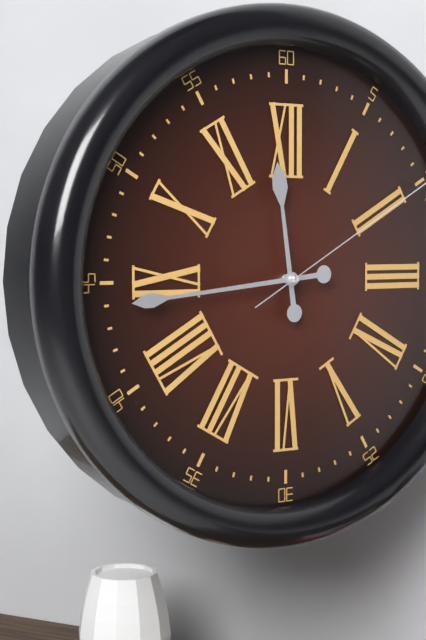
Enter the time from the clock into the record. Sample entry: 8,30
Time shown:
11,44
